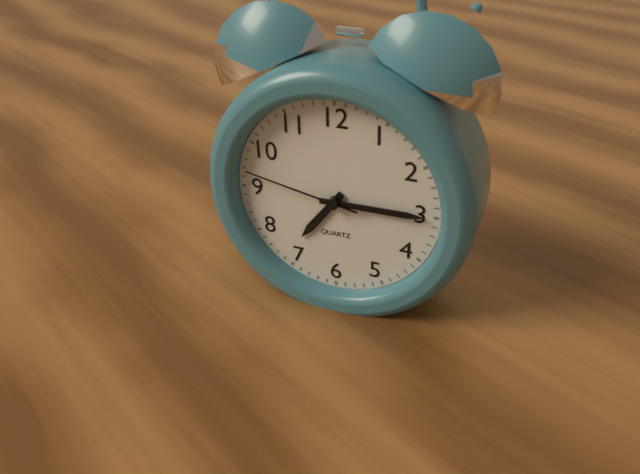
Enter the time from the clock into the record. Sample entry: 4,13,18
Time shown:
7,15,47
